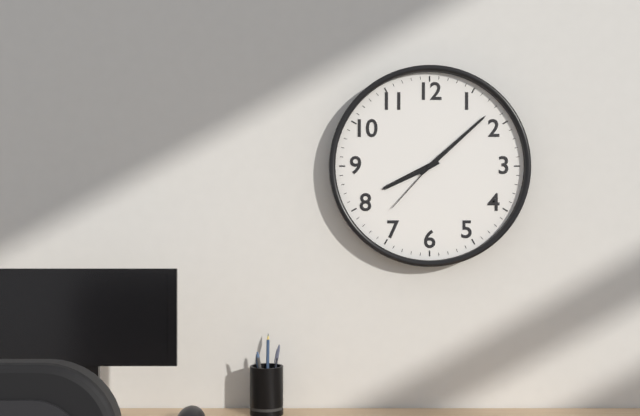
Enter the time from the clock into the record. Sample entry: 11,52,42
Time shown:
8,08,37
